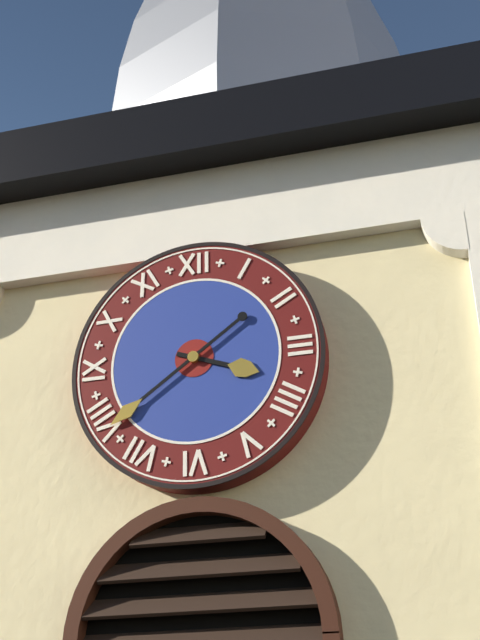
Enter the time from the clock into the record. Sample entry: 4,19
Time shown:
3,39
